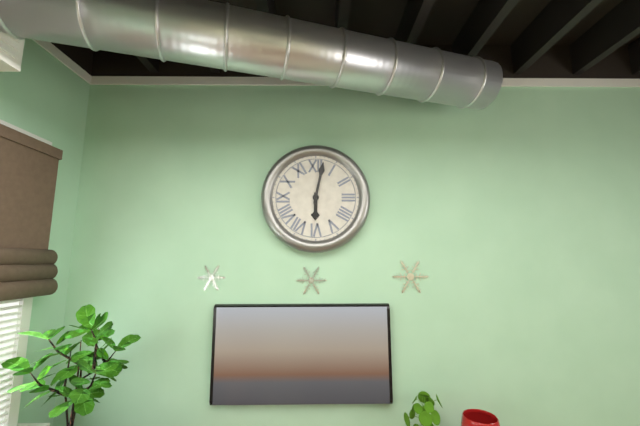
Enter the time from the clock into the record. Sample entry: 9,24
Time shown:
6,02
